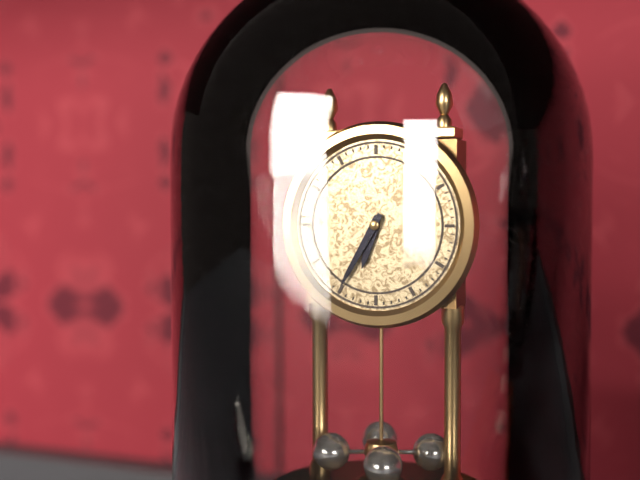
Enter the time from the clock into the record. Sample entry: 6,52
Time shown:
6,35
